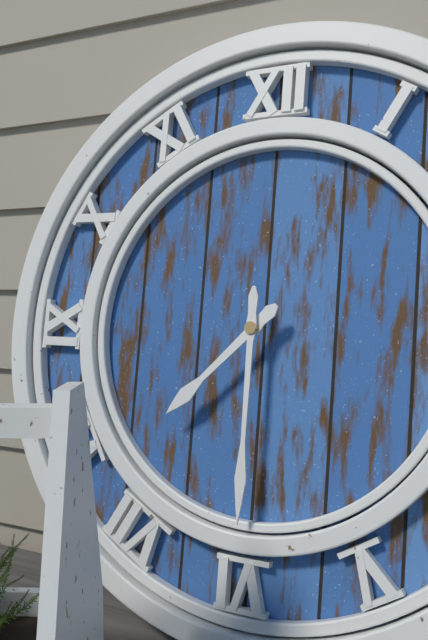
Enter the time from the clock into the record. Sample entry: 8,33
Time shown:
7,30
